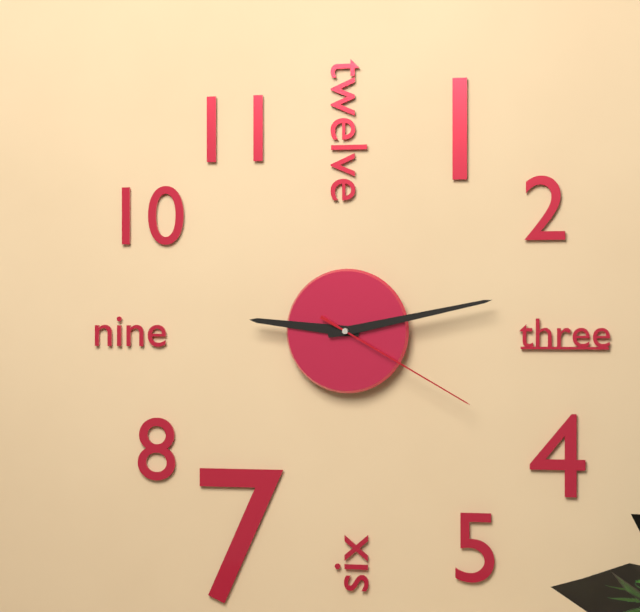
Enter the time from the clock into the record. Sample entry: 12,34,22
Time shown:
9,13,20
